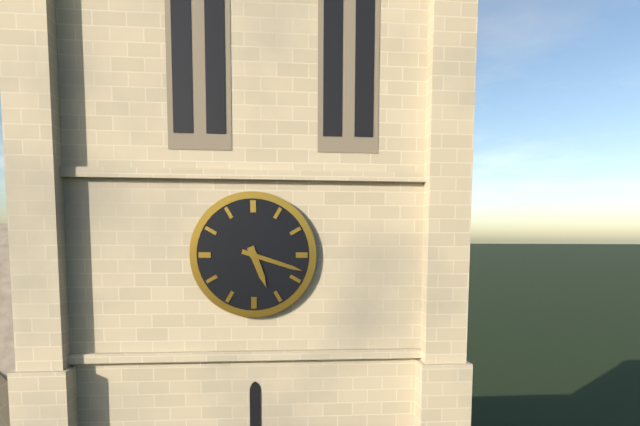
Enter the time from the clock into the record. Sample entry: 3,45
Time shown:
5,18
